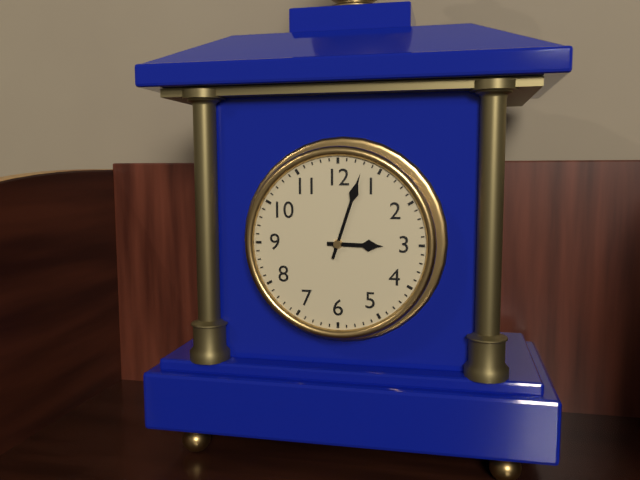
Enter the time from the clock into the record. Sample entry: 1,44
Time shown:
3,03
